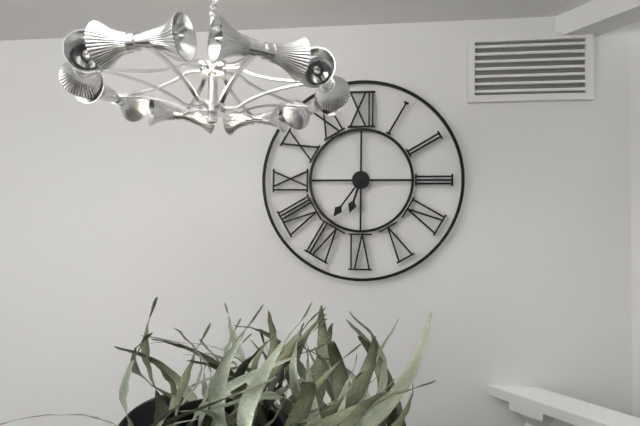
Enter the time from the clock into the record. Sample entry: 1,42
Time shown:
6,36
